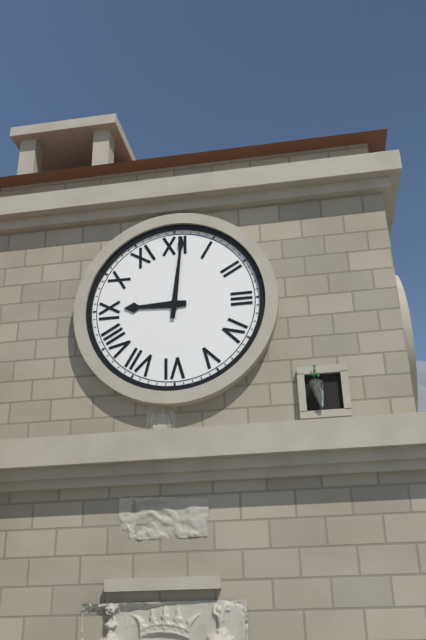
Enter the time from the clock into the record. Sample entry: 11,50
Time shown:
9,01
